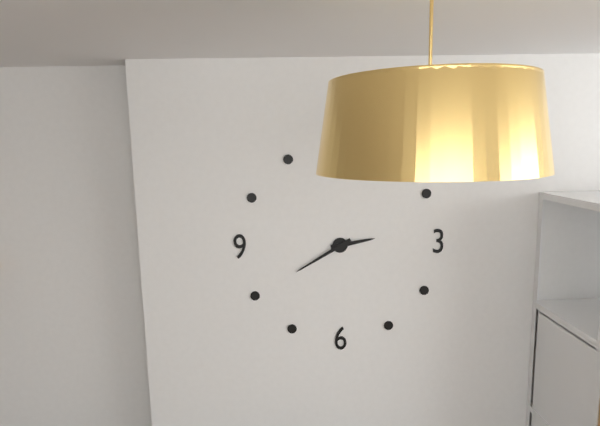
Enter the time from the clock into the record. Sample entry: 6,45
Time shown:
2,40
